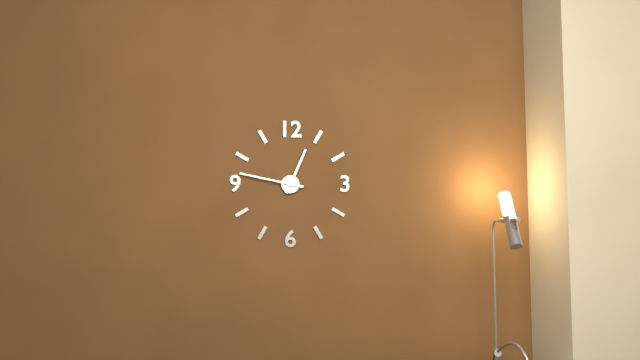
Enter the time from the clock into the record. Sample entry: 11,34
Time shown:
12,47
